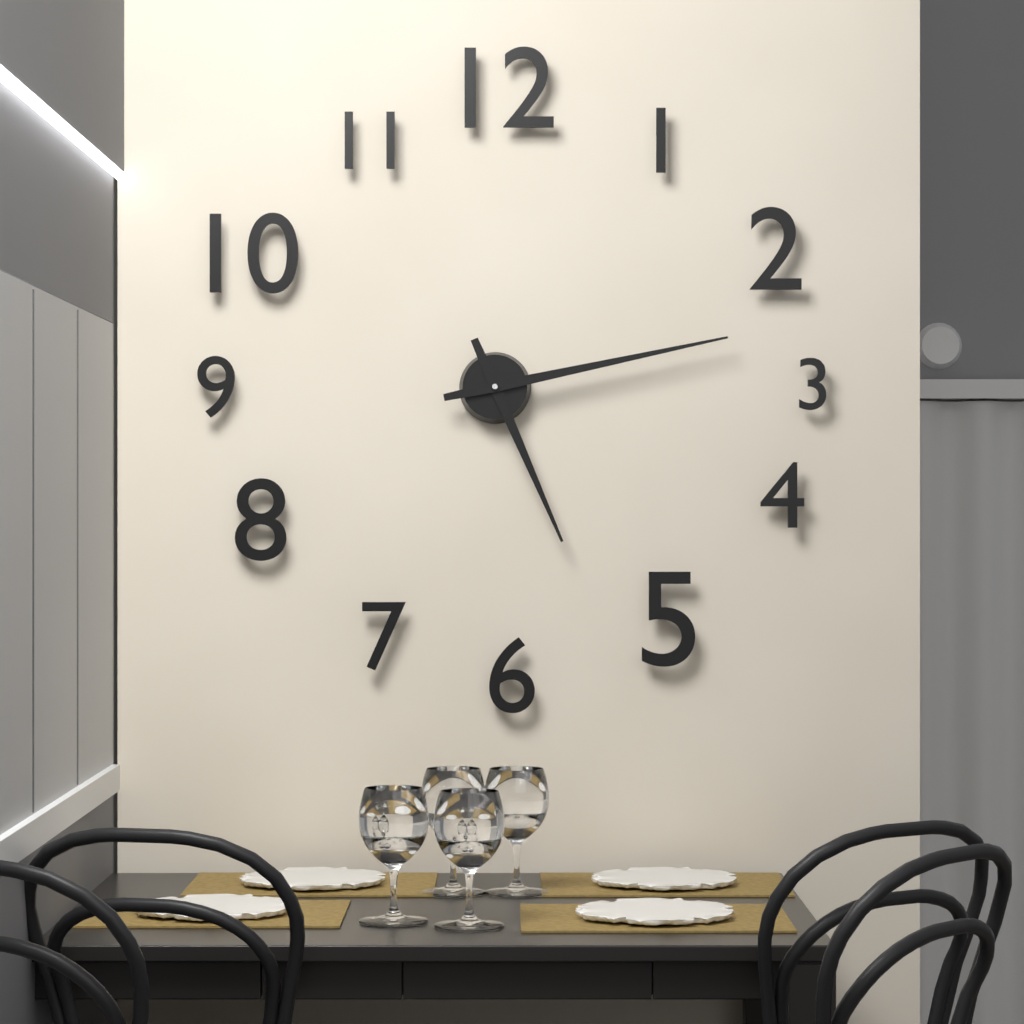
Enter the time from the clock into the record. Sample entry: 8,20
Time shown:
5,13
